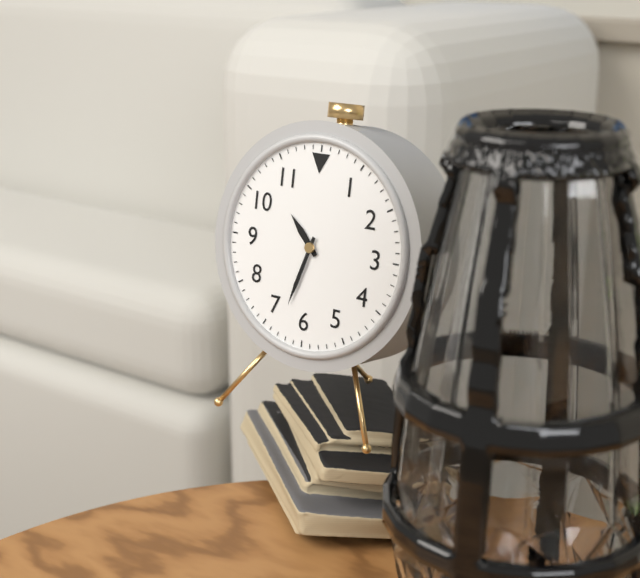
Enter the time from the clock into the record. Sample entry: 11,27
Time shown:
10,33
